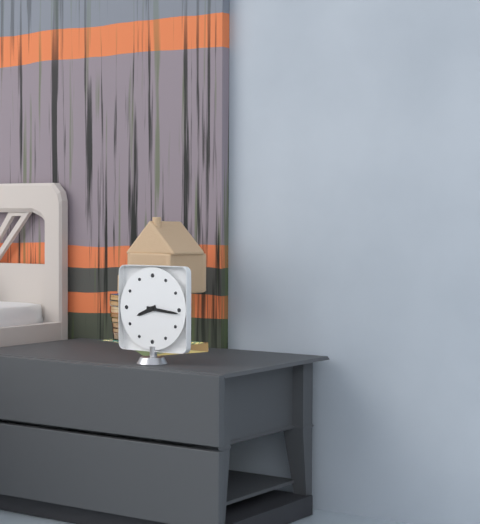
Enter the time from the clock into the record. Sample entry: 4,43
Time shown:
8,16
